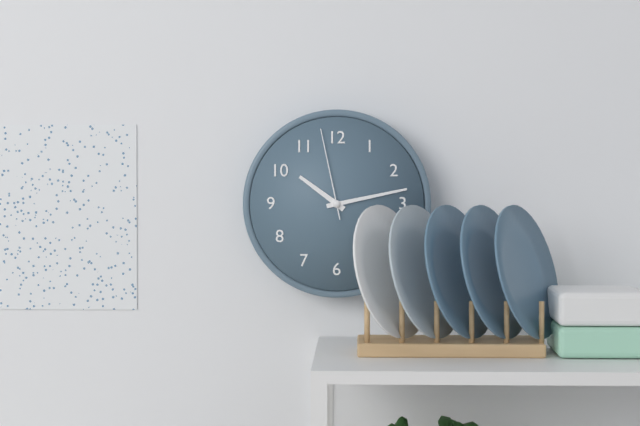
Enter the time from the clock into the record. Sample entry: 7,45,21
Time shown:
10,13,58
